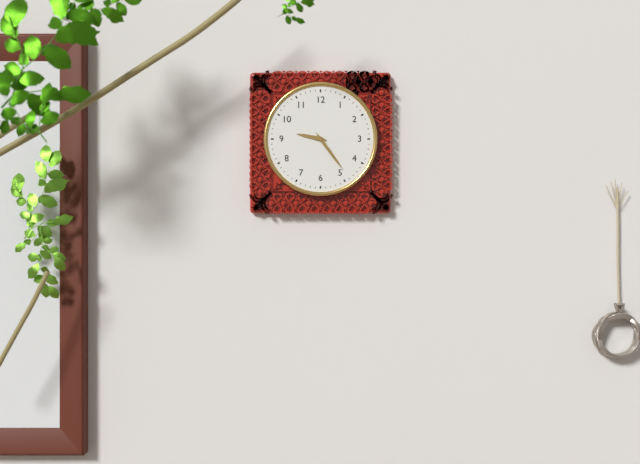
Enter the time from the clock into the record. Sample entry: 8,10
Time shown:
9,24
